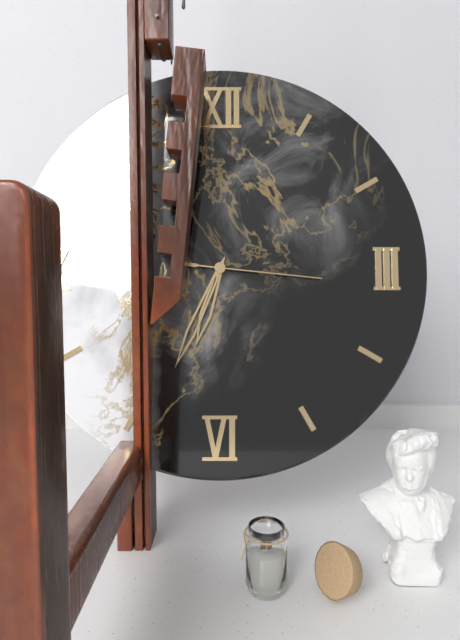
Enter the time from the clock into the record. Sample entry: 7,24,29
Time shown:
6,34,16
